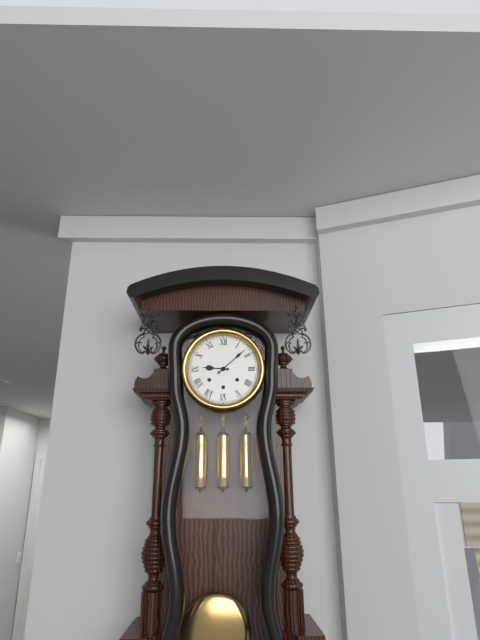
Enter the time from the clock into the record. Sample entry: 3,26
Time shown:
9,08
